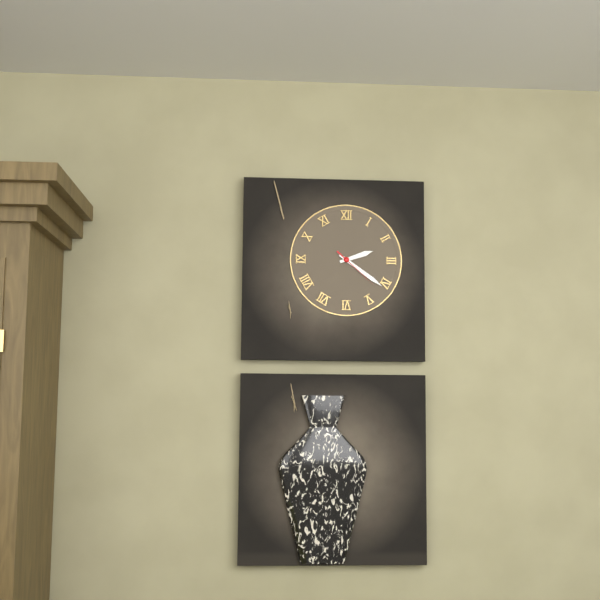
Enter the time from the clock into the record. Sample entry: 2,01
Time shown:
2,21
